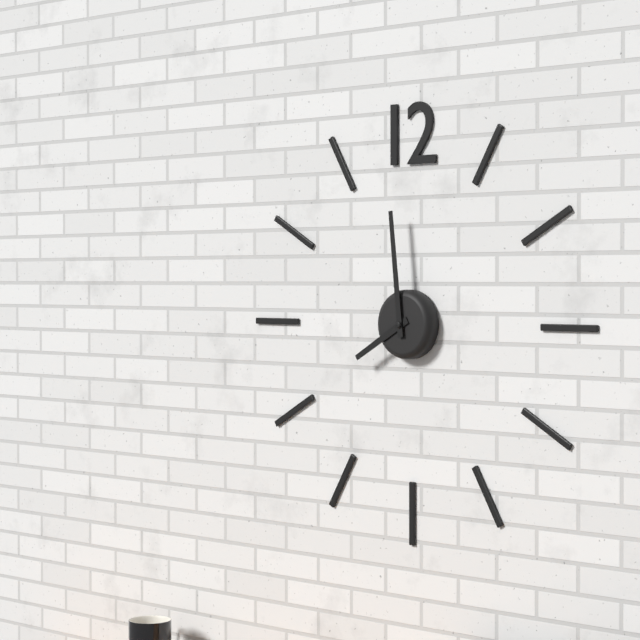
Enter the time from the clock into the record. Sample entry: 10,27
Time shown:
7,59
